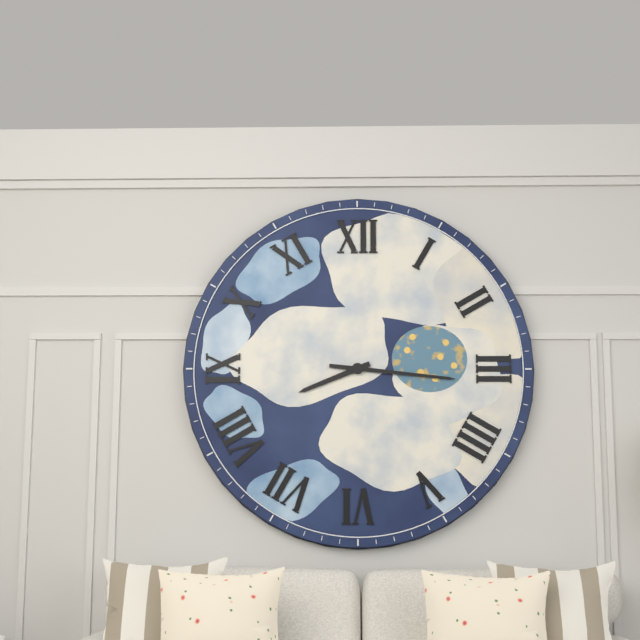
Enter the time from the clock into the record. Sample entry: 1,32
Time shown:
8,16
